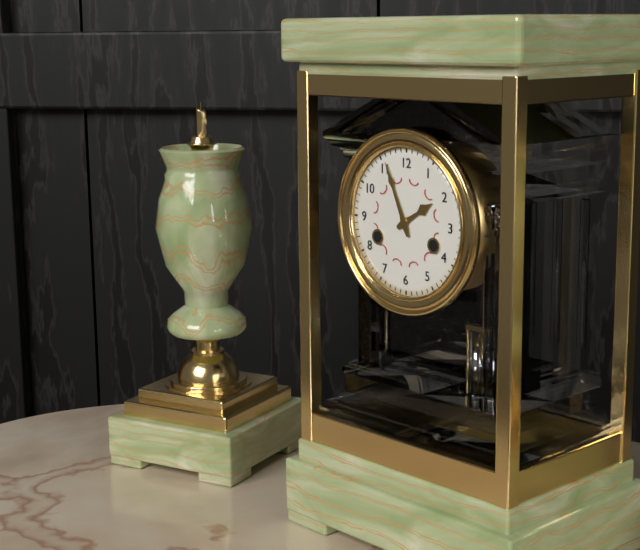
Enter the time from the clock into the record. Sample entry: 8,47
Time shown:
1,56
